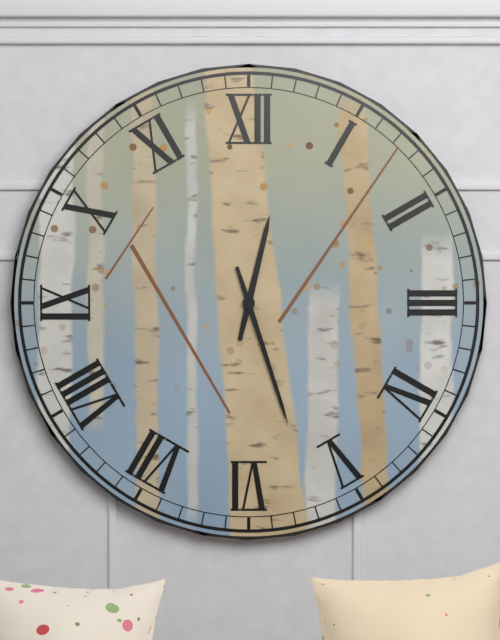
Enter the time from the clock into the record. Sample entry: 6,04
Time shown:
12,27
